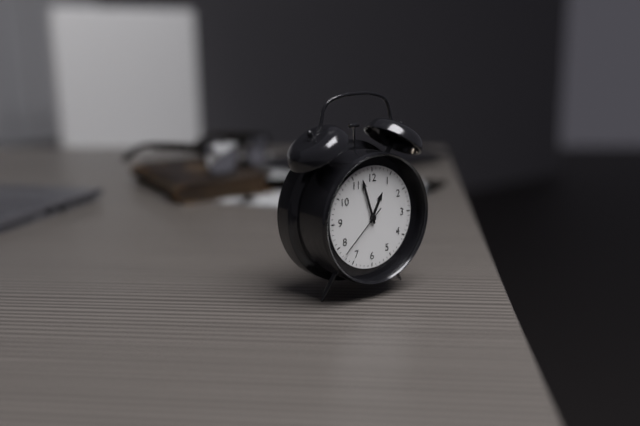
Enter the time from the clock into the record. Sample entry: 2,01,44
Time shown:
12,57,38
